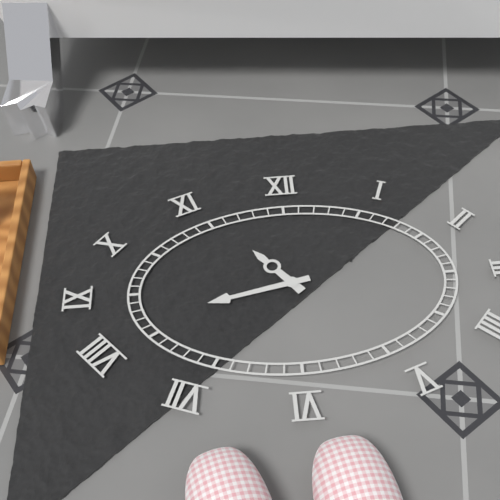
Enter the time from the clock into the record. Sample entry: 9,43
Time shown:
10,43
